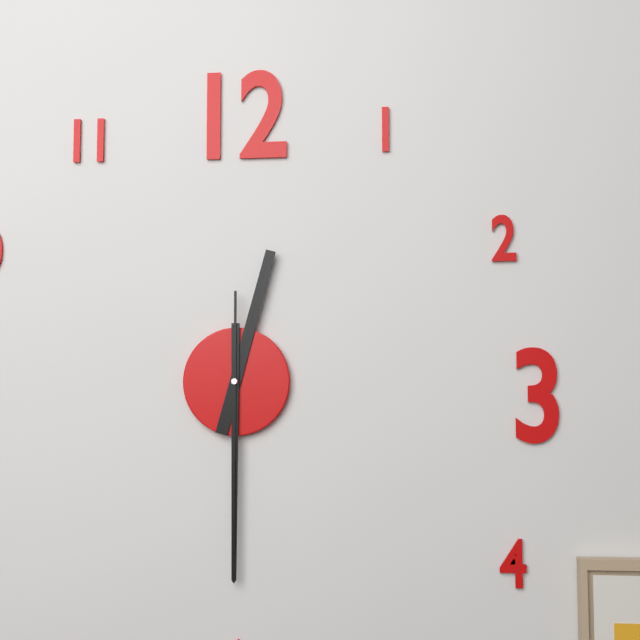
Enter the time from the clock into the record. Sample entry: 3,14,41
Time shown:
12,30,30
